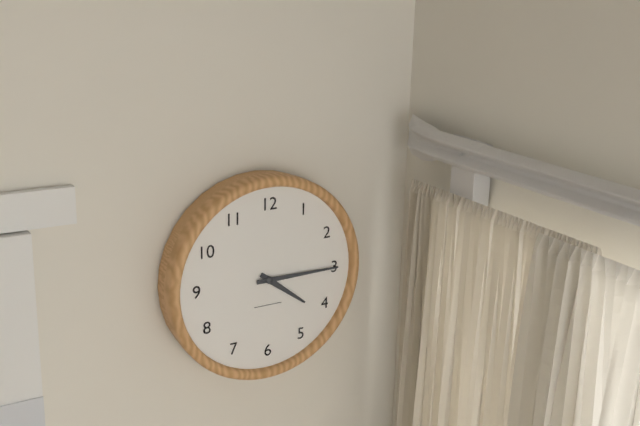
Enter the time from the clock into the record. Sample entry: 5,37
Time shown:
4,15
